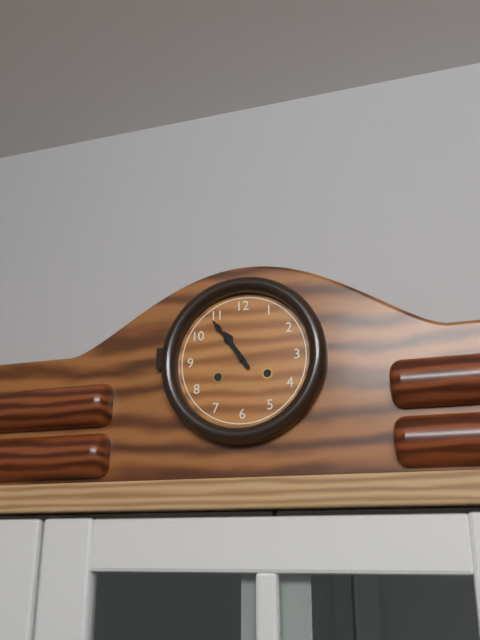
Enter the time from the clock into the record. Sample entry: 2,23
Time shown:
10,54
